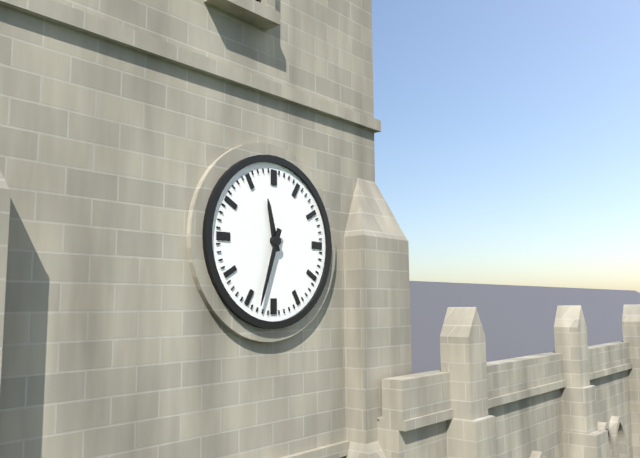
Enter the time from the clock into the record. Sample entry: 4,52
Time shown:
11,33
